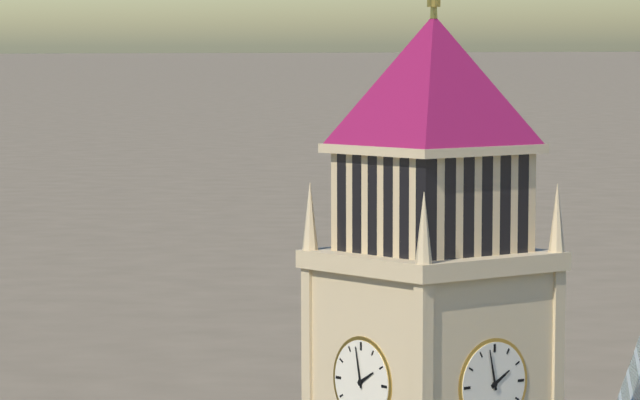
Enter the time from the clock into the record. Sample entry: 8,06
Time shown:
1,58
